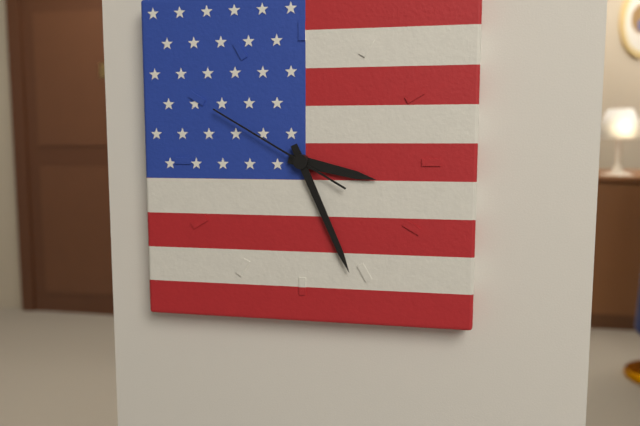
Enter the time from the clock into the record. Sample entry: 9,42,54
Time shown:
3,26,50
